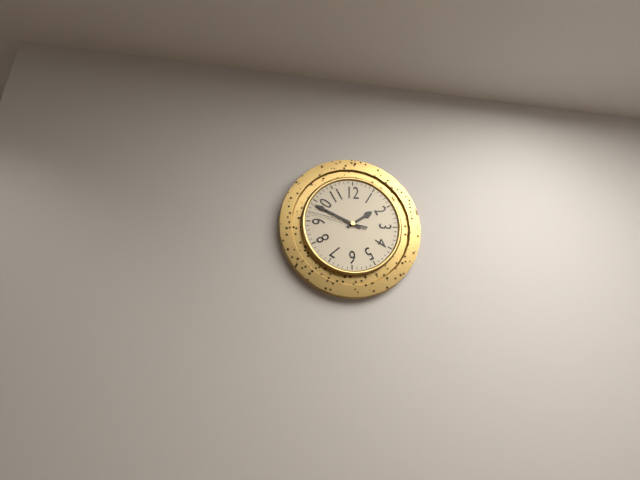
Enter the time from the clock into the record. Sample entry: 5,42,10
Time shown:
1,49,47
